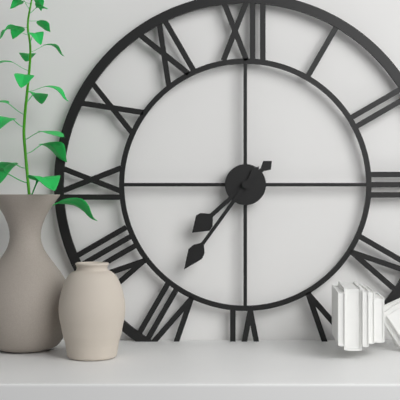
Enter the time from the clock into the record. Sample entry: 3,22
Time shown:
7,36
